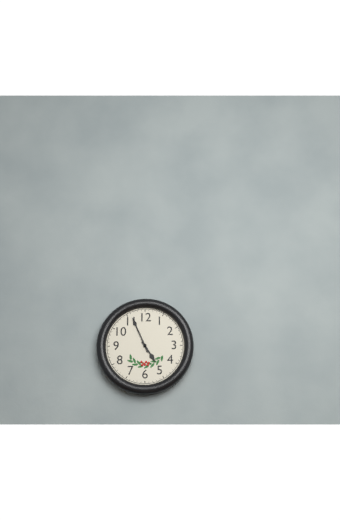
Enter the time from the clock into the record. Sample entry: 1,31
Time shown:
4,56
